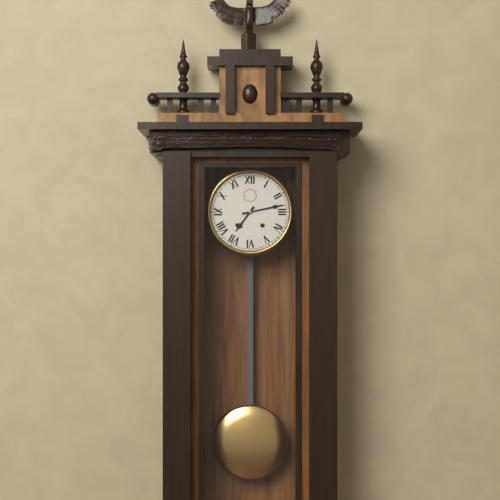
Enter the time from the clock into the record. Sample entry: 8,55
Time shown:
7,13
